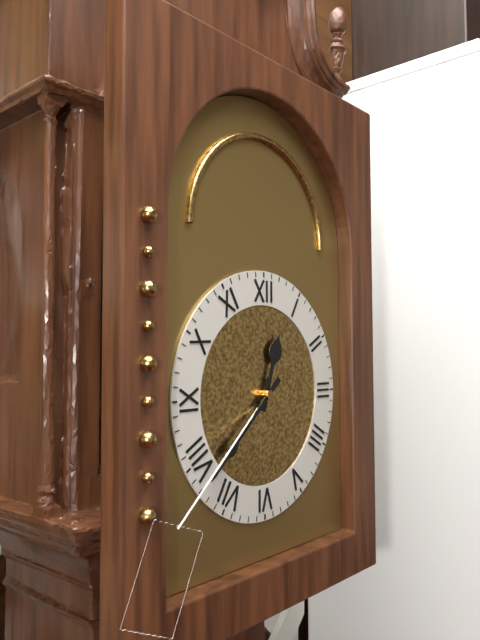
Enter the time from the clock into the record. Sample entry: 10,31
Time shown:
12,38
